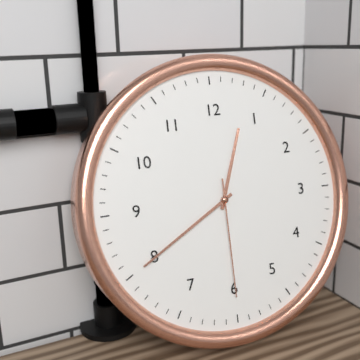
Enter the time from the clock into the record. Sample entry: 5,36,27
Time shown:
12,40,30
